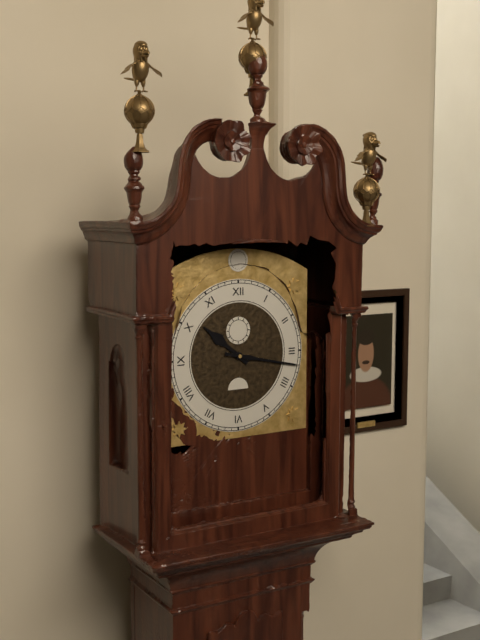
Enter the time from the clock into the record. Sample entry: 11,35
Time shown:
10,17
